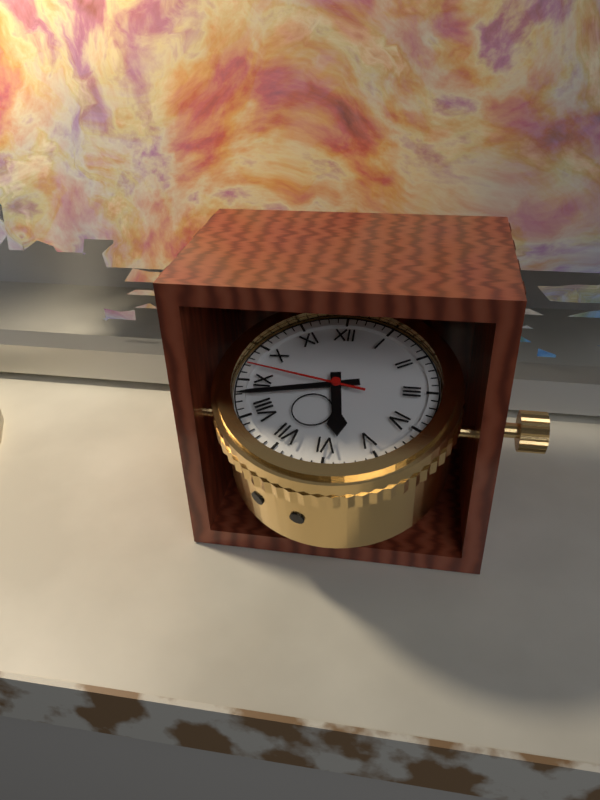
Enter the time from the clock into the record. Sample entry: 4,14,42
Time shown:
5,43,47
